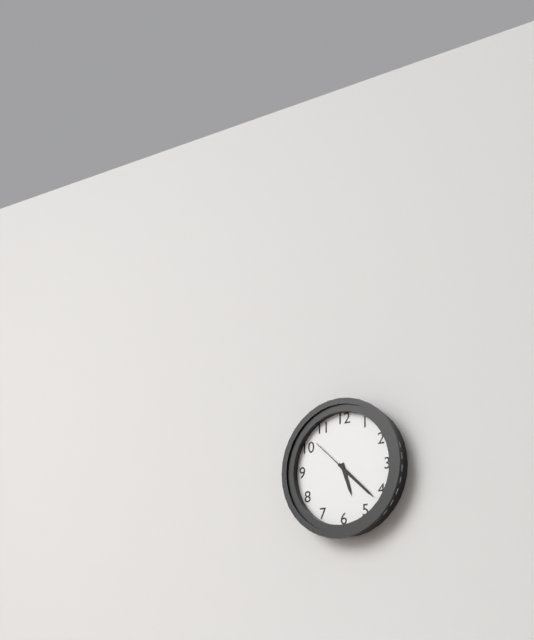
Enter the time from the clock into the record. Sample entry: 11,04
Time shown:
5,22
